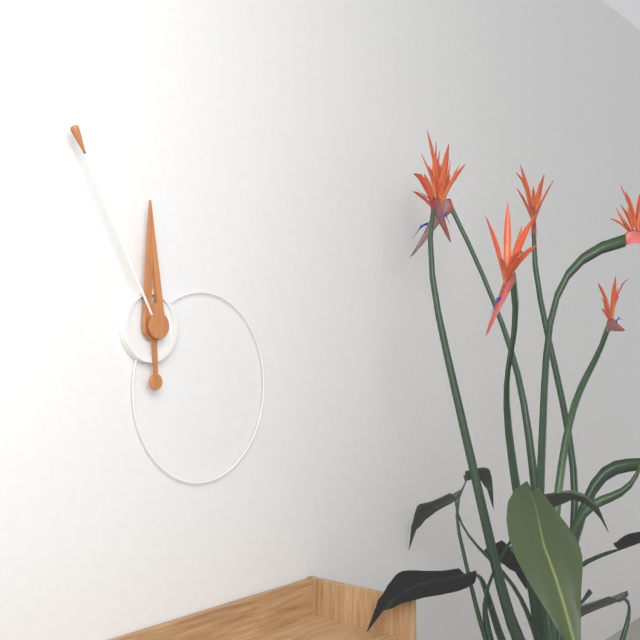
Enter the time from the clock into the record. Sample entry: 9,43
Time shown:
11,55
